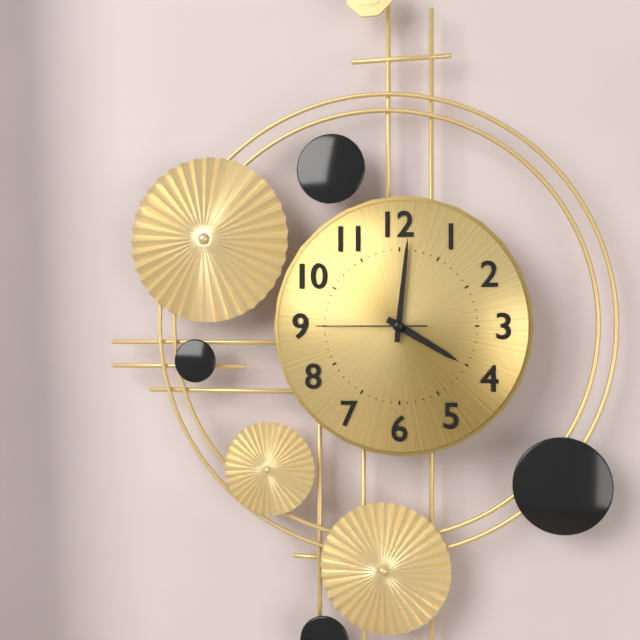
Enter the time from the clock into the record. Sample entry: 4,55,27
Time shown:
4,01,45
